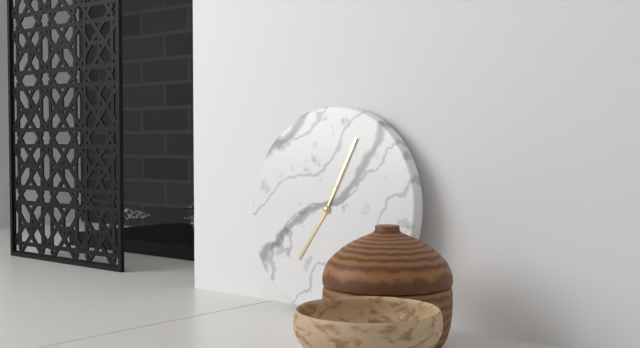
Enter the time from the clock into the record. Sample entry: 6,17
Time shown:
7,04
